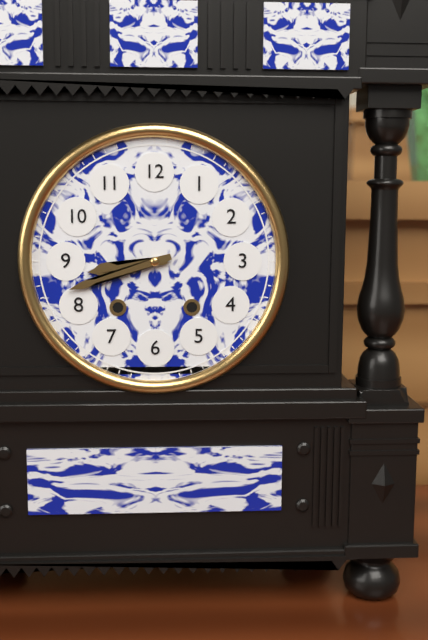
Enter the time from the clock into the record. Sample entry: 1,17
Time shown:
8,42
